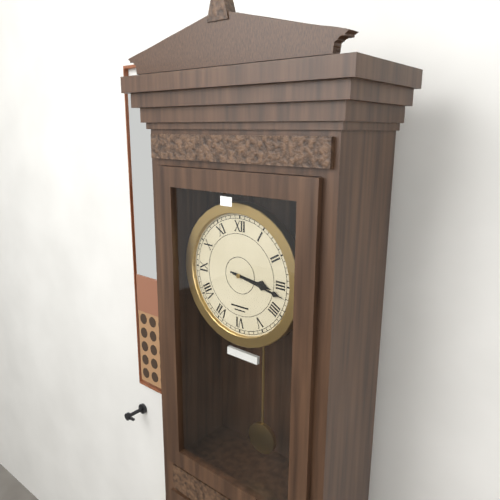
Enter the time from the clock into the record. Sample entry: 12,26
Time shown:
3,17
